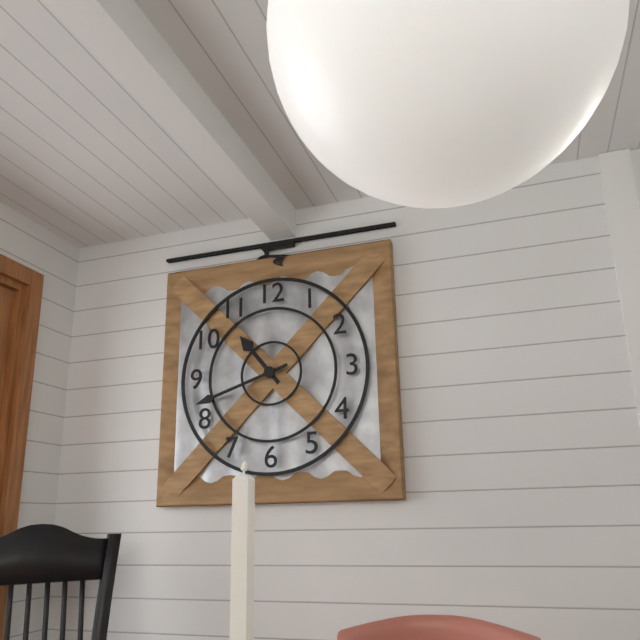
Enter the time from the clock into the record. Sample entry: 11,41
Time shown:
10,42
